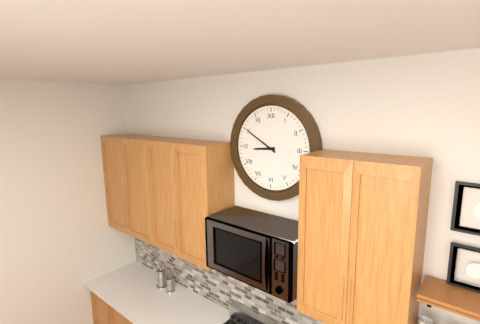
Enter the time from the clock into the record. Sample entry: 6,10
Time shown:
8,50
